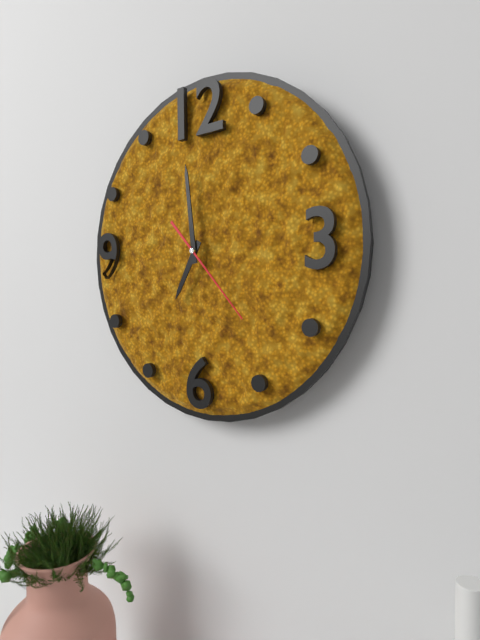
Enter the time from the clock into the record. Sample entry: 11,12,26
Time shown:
6,59,23
